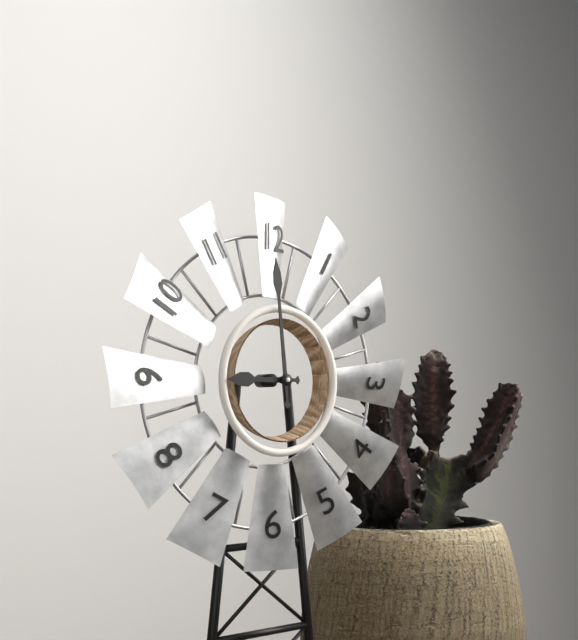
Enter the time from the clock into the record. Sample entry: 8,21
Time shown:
8,59
